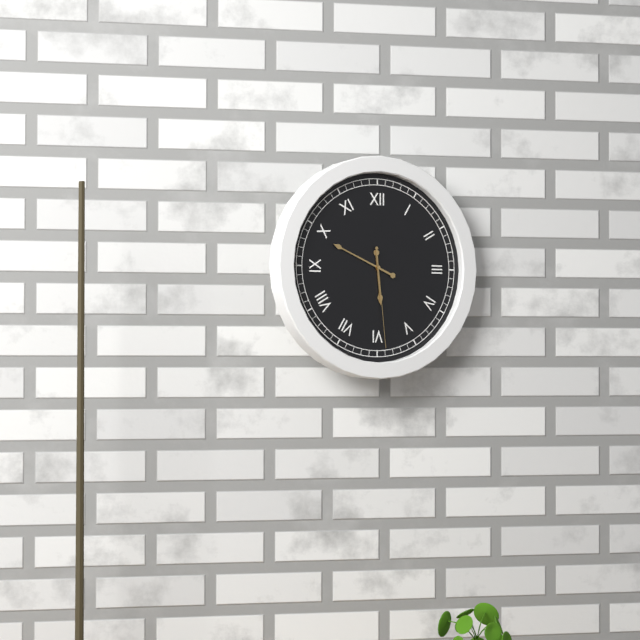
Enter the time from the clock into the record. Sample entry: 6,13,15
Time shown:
5,49,29
